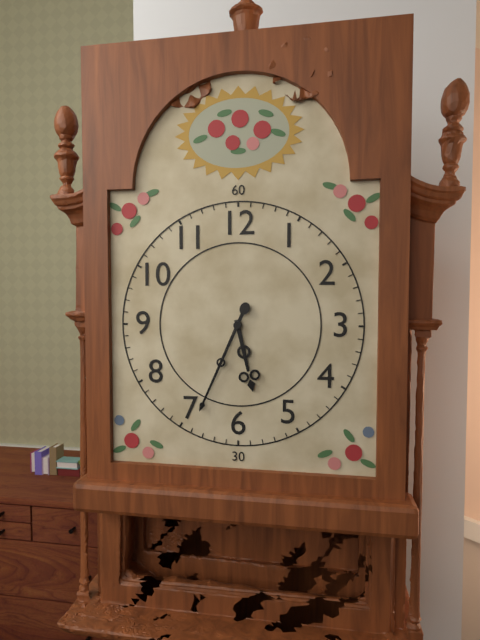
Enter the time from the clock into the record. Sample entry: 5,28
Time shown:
5,34
